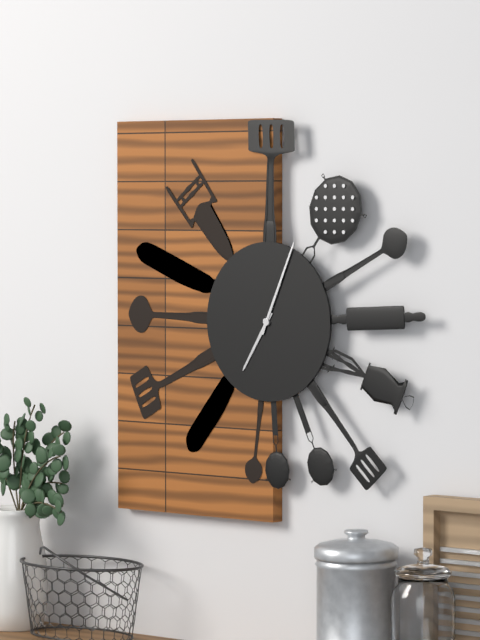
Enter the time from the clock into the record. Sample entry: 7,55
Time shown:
7,04
